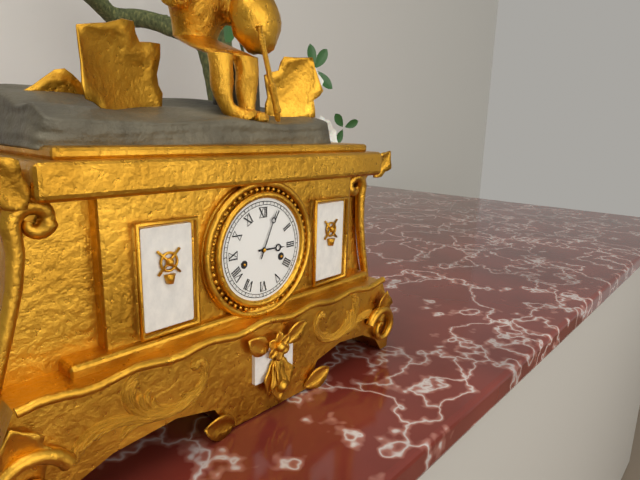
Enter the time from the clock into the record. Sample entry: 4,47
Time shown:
3,04
